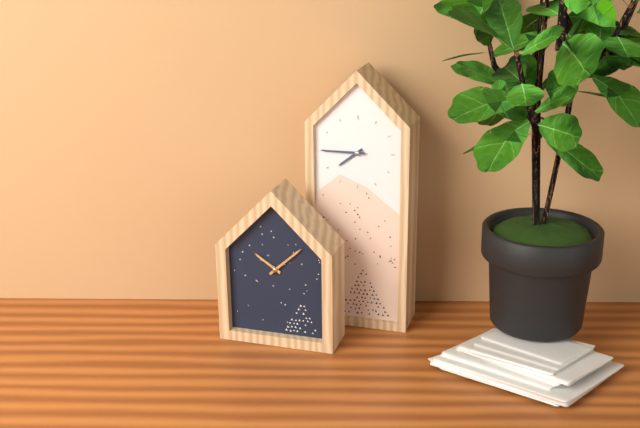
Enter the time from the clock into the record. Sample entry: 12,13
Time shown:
7,45
